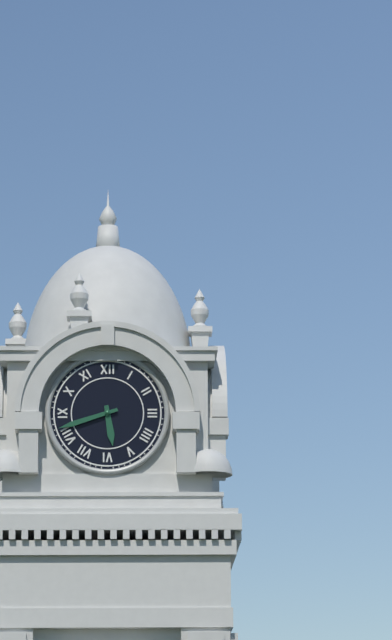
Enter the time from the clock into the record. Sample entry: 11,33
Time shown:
5,42
